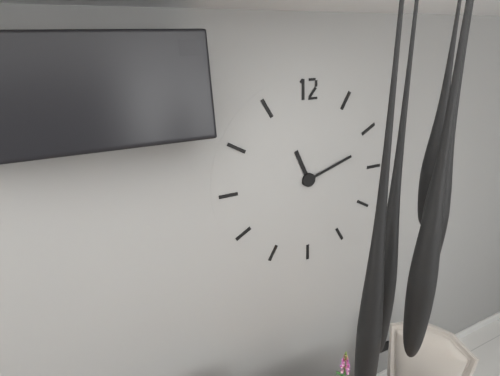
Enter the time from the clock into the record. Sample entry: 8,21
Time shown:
11,12
